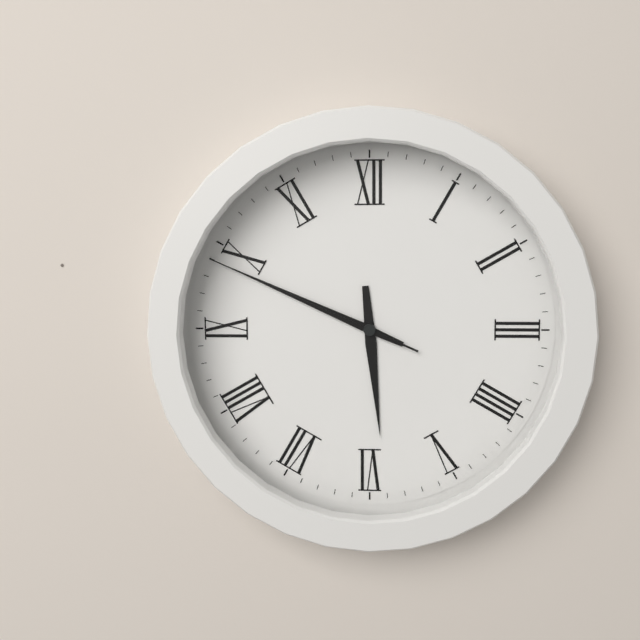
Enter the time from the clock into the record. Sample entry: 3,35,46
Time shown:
5,49,49
